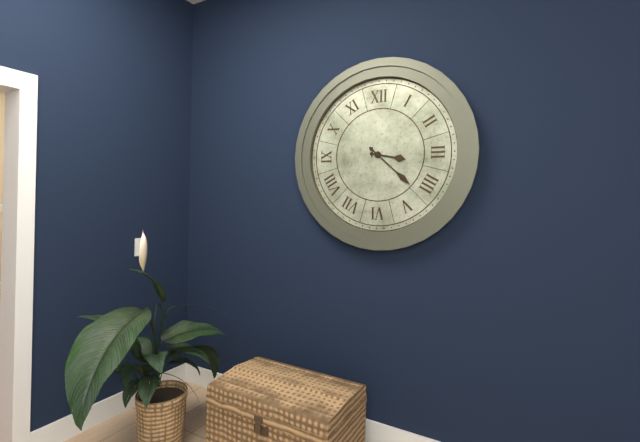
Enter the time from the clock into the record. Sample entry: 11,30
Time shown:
3,22
